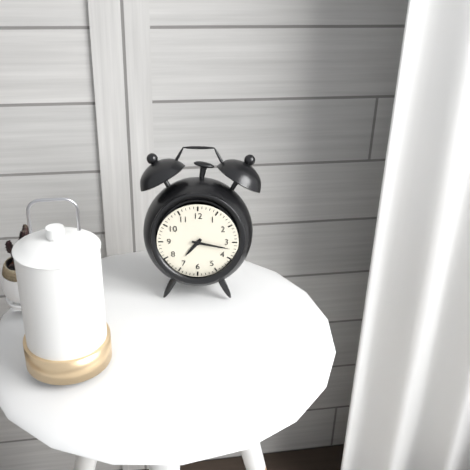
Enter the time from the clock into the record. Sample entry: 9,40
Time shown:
7,17
